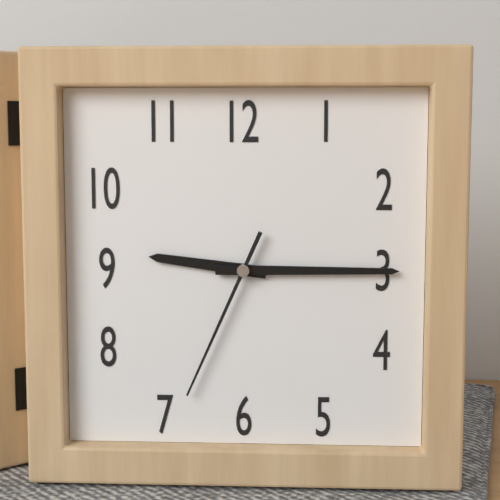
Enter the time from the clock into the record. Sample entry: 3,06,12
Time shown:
9,15,34
